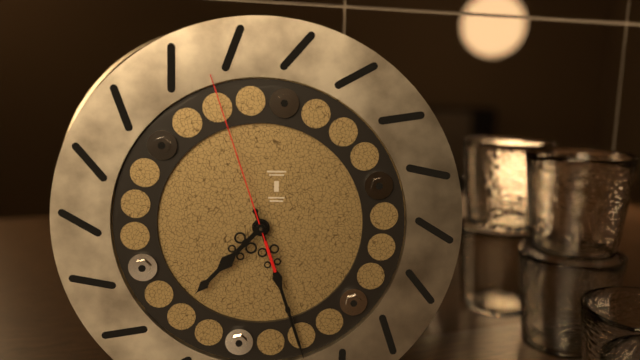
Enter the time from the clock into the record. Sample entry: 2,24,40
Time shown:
7,27,57
